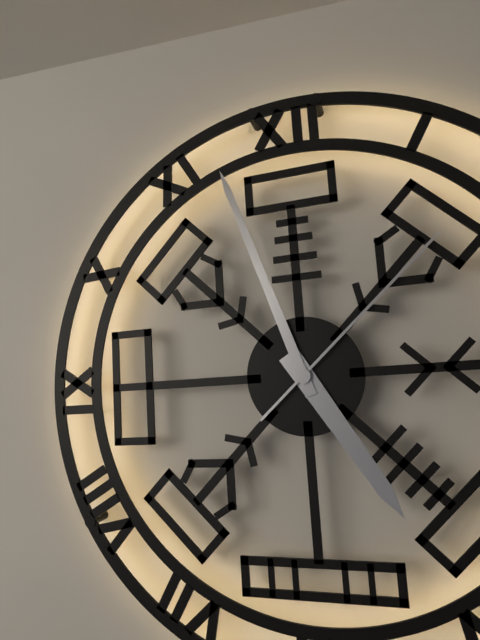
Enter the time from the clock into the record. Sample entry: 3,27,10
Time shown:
4,57,08
